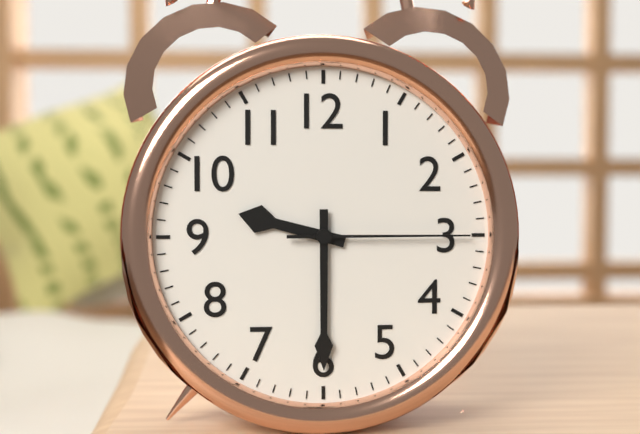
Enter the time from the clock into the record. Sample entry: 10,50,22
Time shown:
9,30,15
